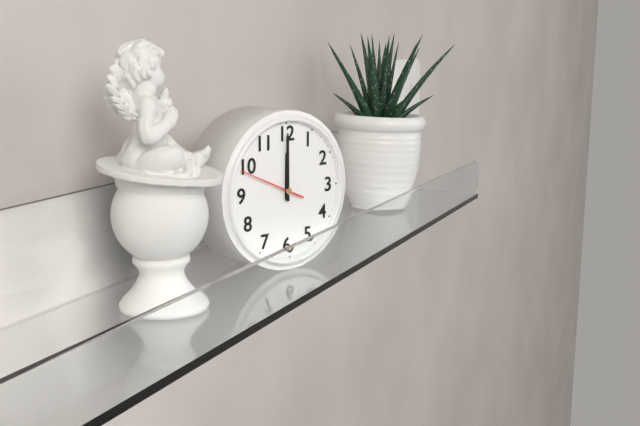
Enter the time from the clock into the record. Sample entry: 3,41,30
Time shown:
12,00,49
